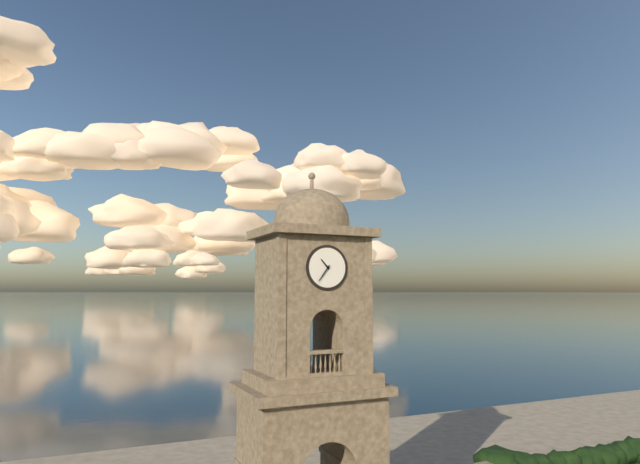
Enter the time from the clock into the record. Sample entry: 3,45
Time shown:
10,36
